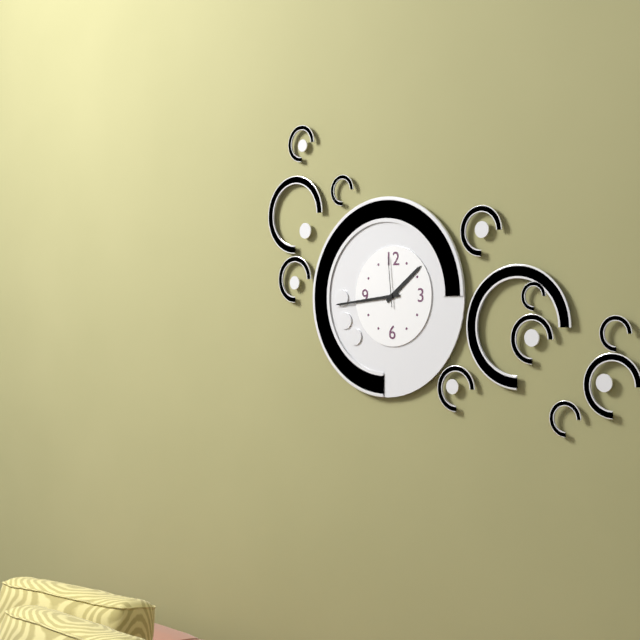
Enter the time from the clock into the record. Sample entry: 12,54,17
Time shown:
1,44,59
